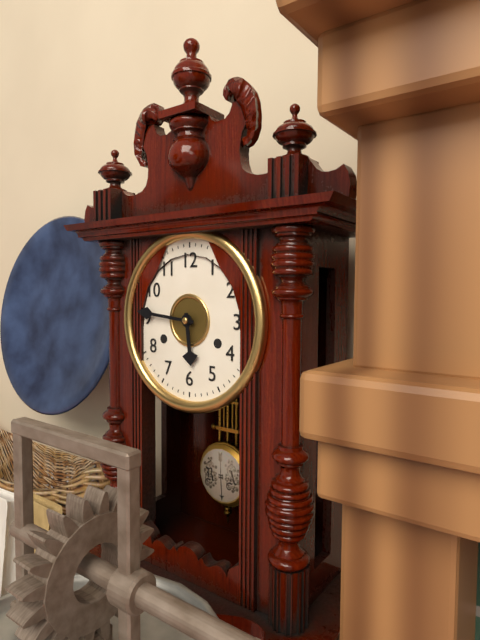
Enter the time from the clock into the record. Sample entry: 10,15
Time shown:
5,46
